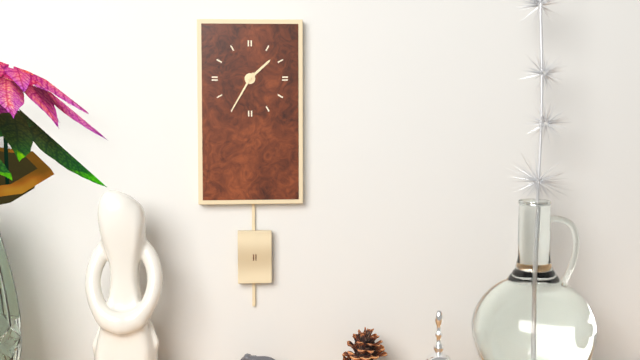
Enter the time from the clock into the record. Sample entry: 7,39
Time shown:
1,35
